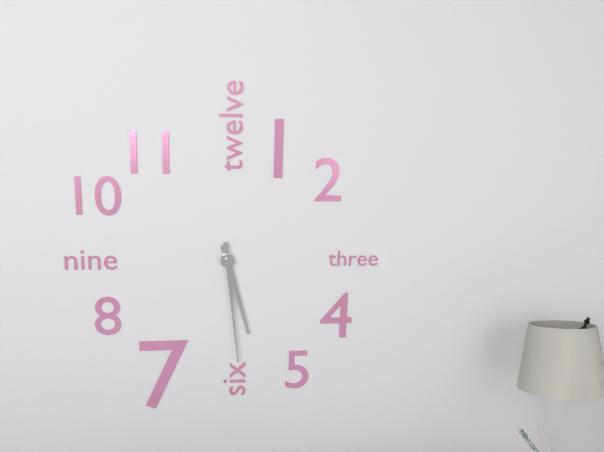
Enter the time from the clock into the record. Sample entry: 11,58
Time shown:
5,29
